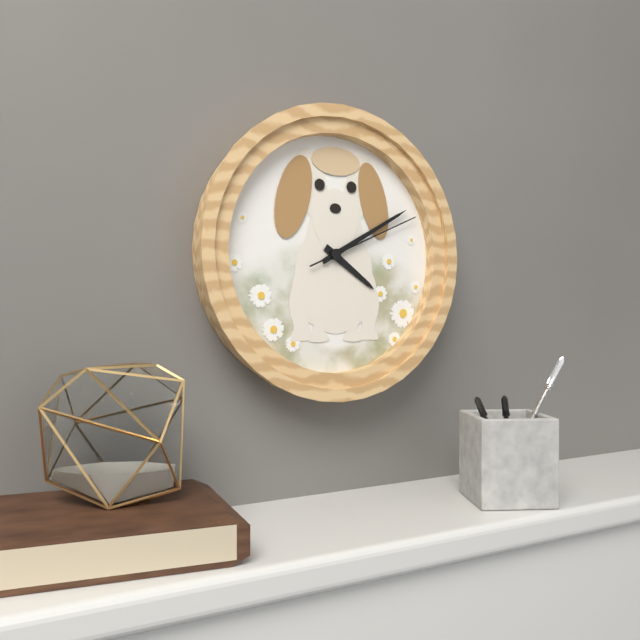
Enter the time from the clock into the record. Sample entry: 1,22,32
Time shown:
4,10,11
